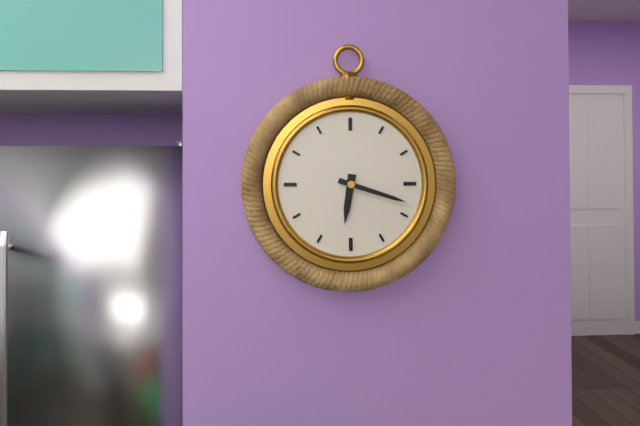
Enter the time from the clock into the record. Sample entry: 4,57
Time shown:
6,18
